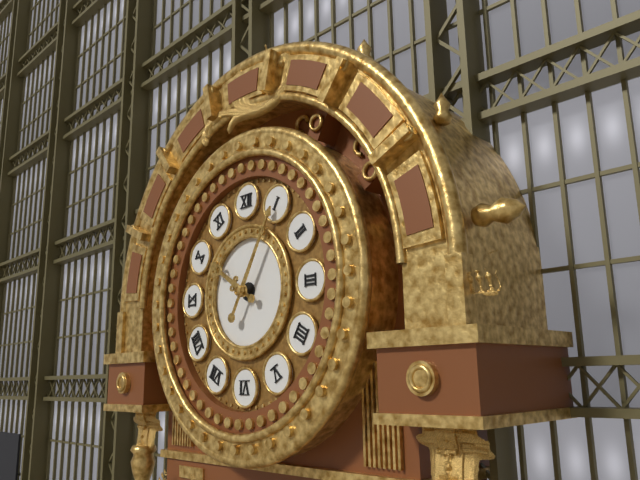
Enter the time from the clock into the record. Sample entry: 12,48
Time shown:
10,05
